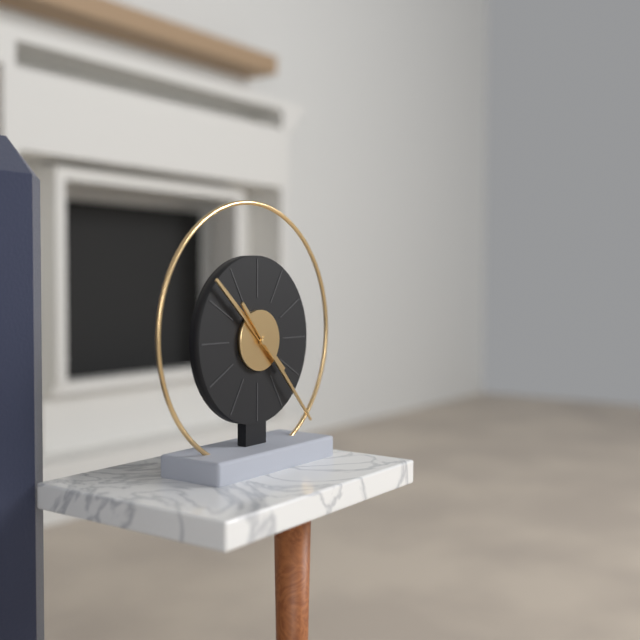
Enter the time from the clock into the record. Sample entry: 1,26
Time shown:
10,23
